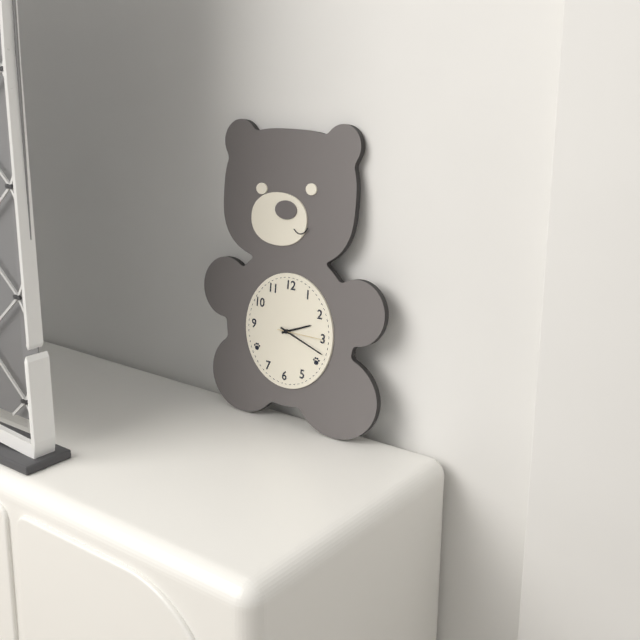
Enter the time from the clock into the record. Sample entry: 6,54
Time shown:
2,18
